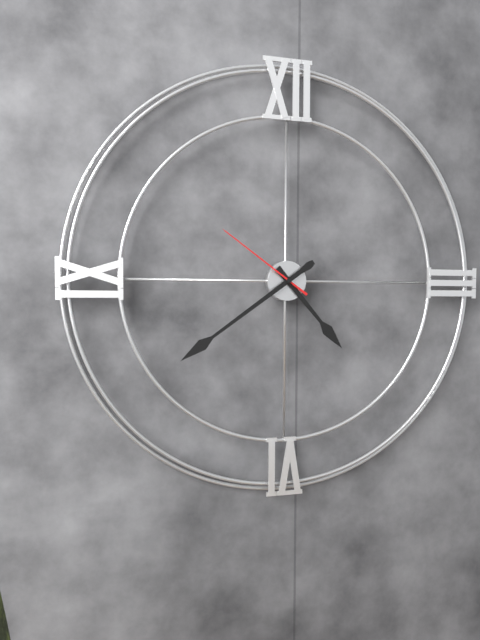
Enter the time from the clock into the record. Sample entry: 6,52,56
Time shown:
4,39,51
